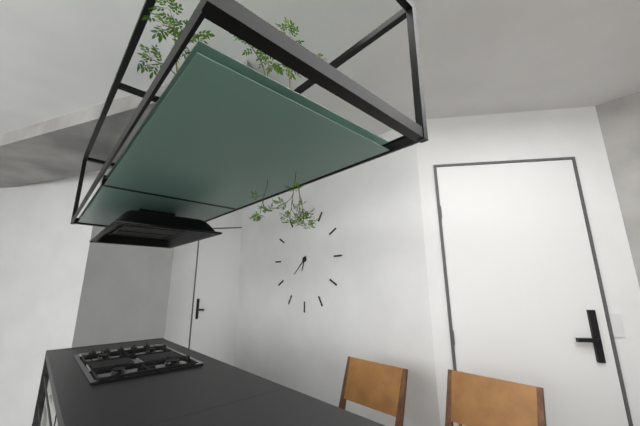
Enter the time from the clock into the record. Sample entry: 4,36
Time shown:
6,38
